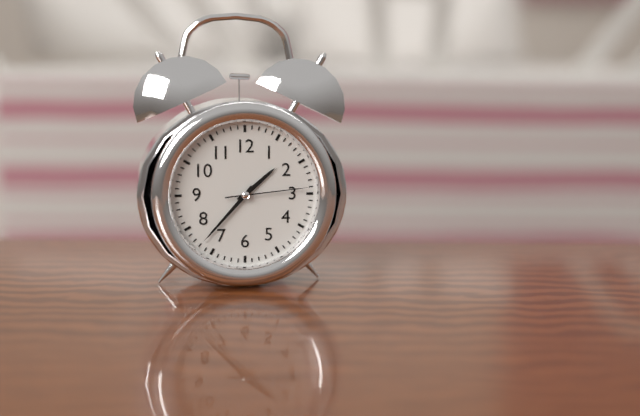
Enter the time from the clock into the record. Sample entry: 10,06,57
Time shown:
1,37,14
